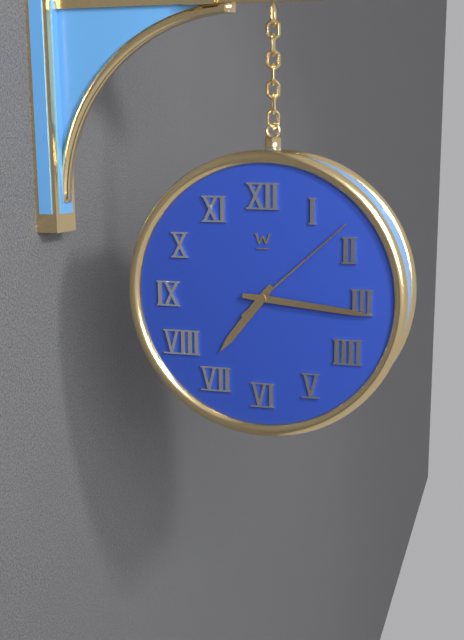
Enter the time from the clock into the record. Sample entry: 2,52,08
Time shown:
7,16,08
